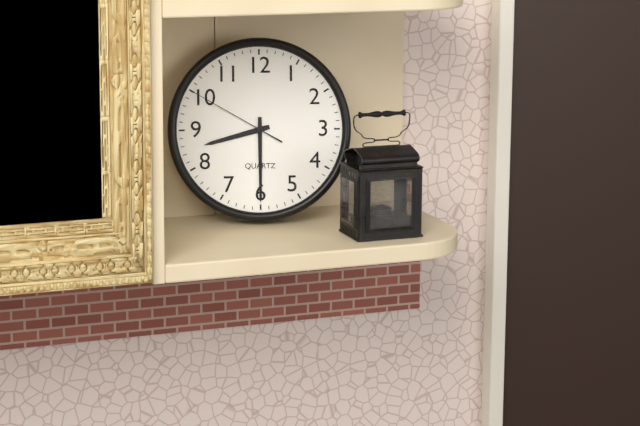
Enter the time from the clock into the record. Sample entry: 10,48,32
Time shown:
8,30,50
